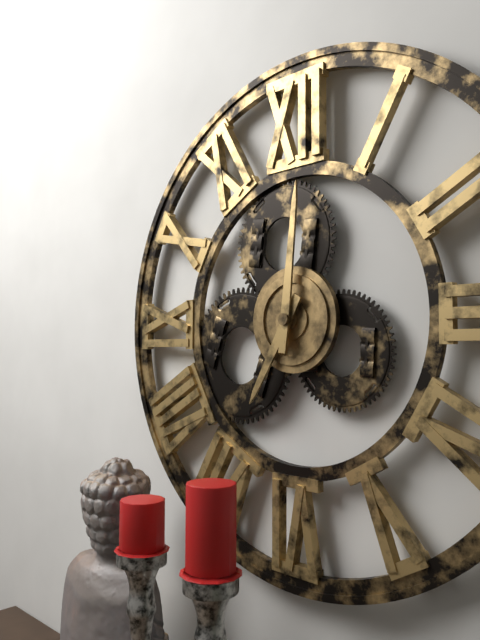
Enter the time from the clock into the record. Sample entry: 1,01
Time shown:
7,01
